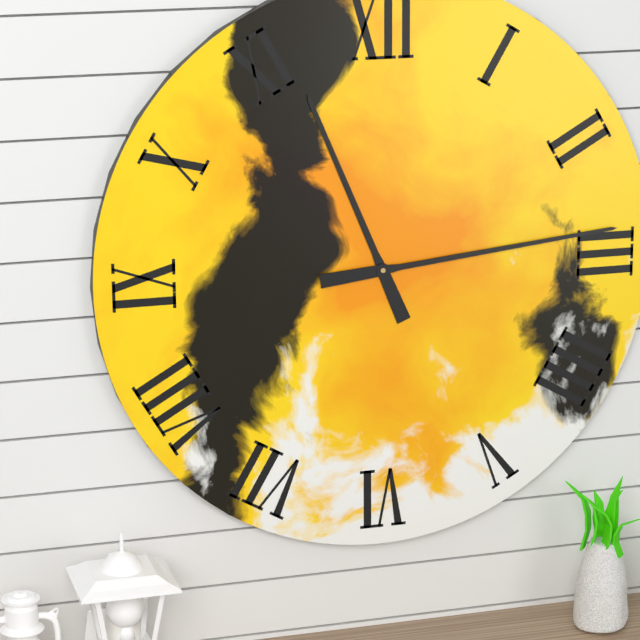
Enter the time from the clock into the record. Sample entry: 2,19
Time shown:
11,14
